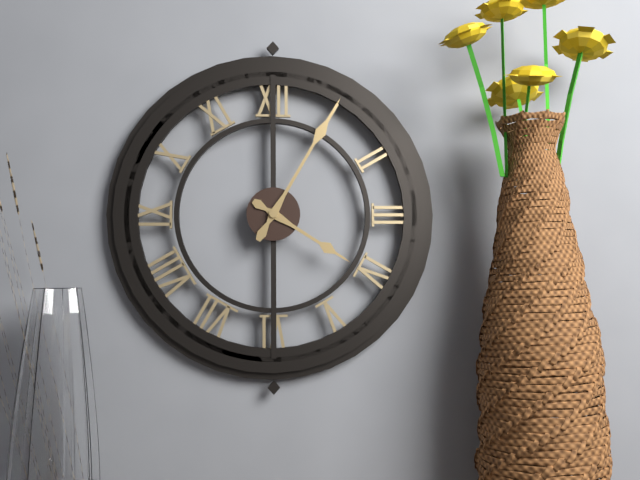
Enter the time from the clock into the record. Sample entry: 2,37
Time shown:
4,05
